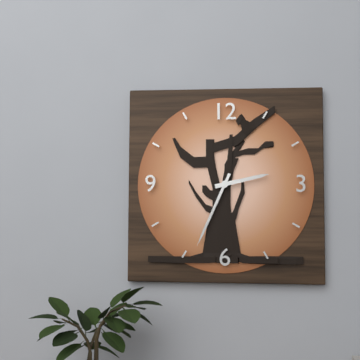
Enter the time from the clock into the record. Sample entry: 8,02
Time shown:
2,34
